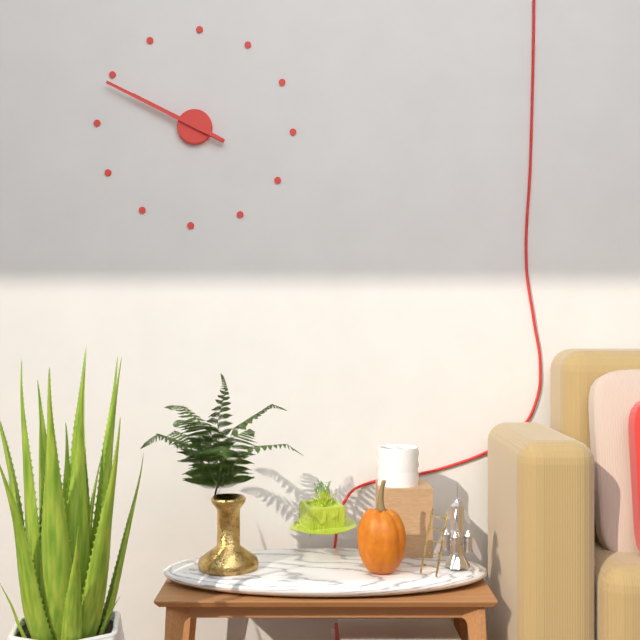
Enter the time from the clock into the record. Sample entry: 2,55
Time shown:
9,49
